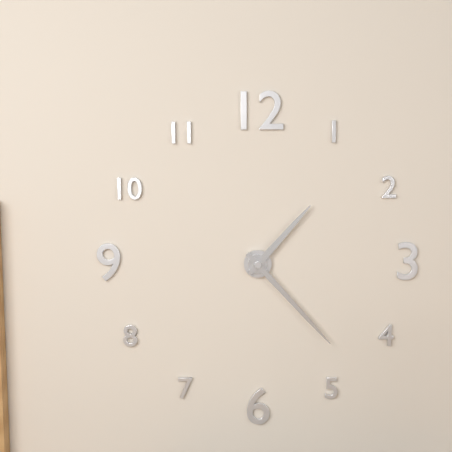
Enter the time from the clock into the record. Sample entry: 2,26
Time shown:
1,23
